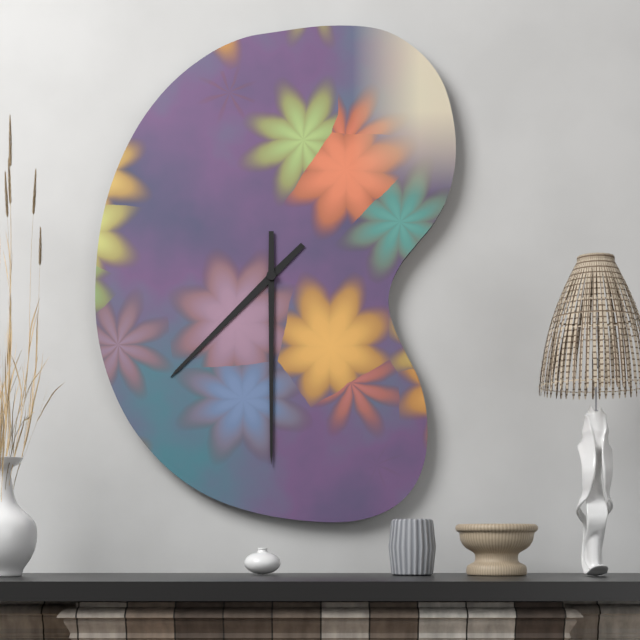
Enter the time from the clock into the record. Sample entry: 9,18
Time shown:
7,30
